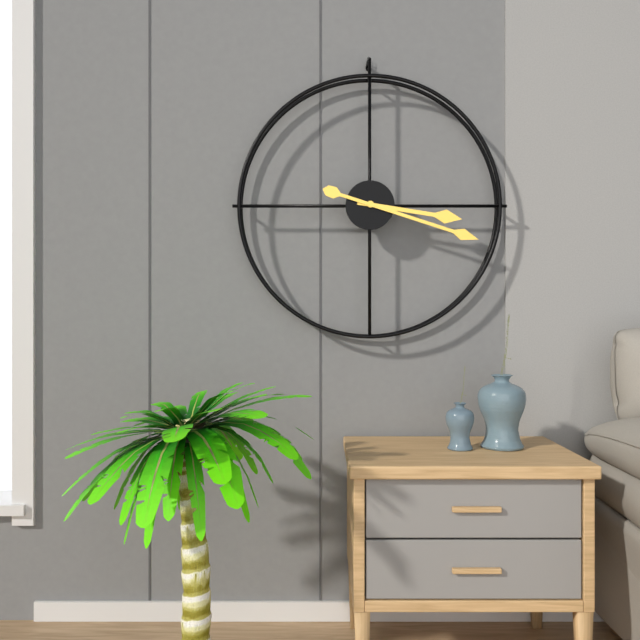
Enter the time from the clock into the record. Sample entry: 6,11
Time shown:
3,18
